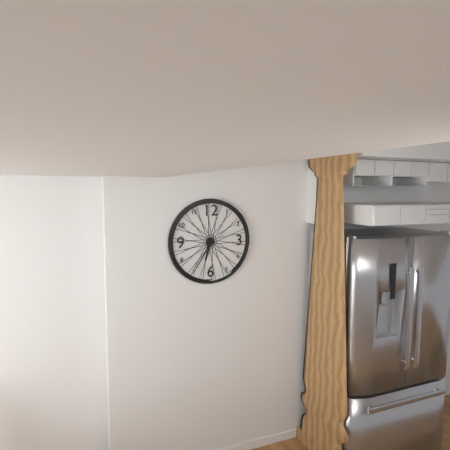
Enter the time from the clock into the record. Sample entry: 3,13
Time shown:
6,35
